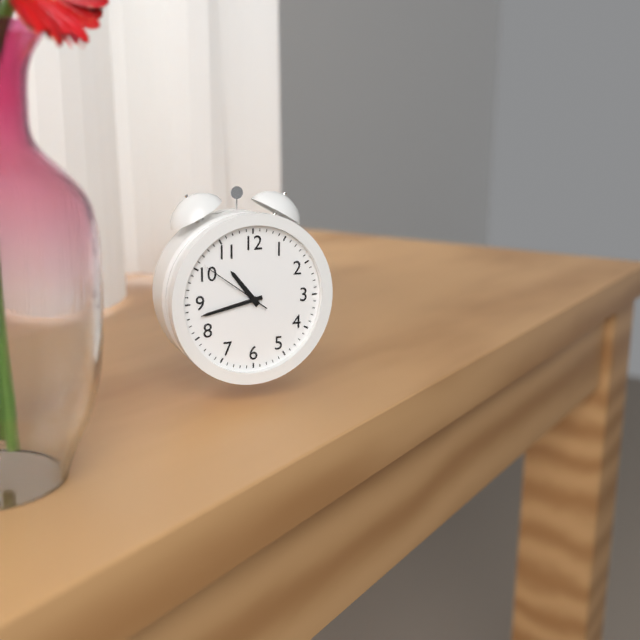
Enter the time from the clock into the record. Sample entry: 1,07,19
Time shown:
10,43,51
